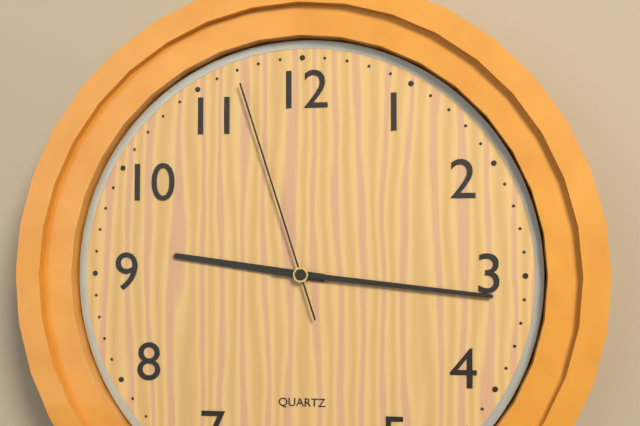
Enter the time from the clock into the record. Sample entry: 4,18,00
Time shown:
9,16,57
